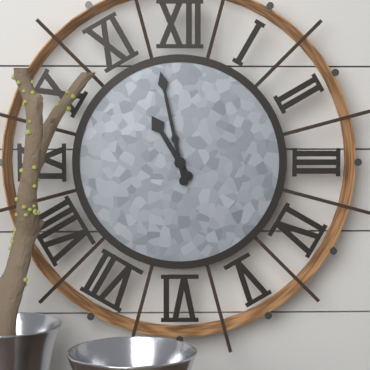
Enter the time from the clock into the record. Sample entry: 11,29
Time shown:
10,58
